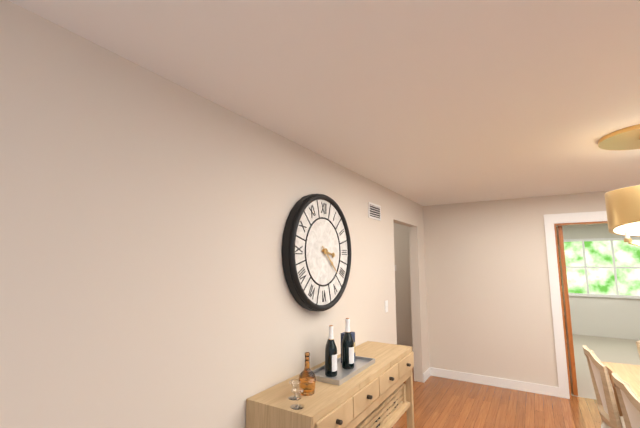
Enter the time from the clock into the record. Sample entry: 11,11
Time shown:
3,22
